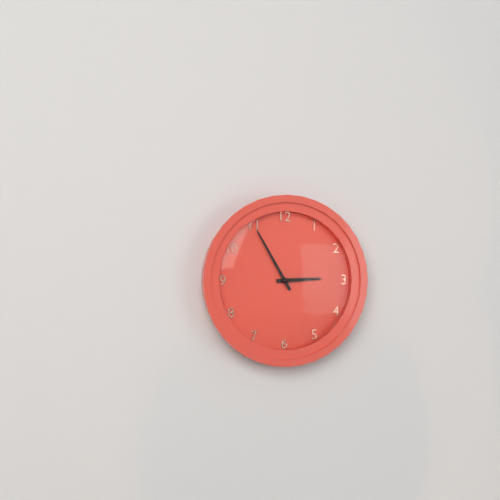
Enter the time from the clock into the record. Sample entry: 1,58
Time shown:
2,55
